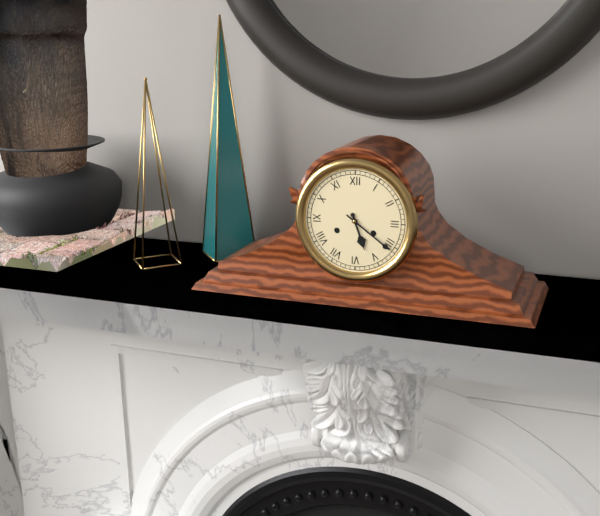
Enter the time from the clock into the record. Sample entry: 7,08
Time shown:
5,21
